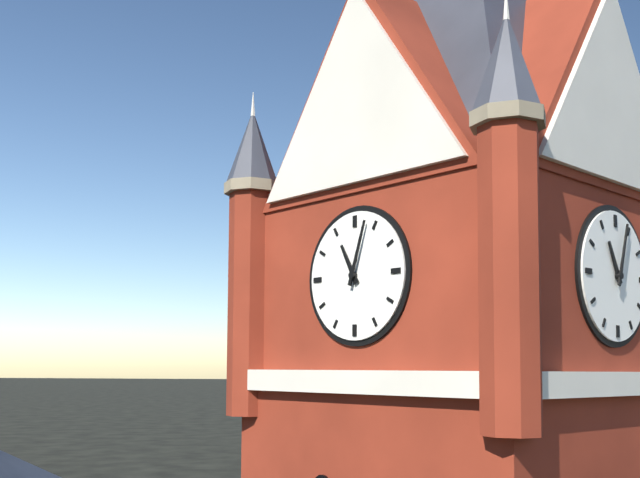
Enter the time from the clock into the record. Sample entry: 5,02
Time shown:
11,03
